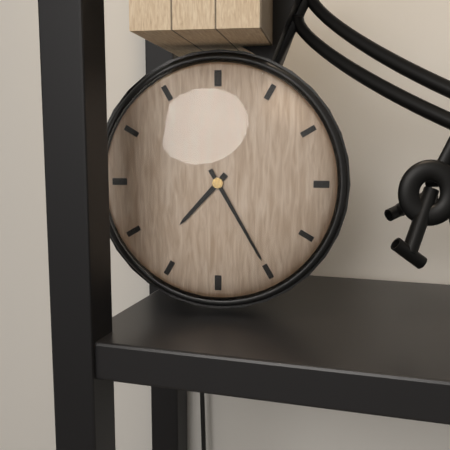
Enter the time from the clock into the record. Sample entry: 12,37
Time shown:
7,25
